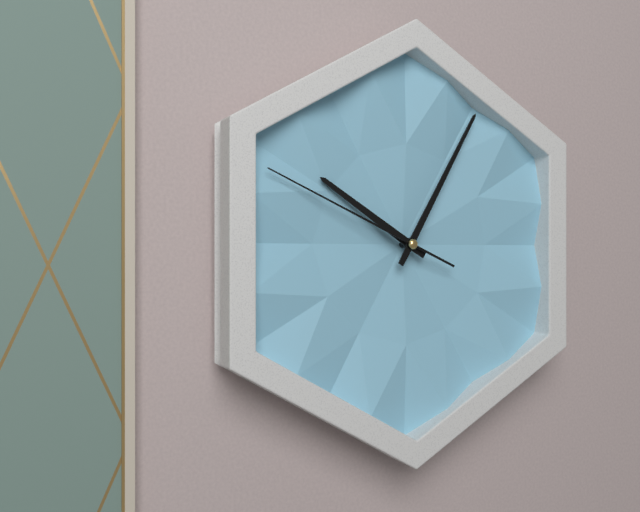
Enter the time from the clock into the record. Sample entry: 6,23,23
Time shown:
10,05,49
